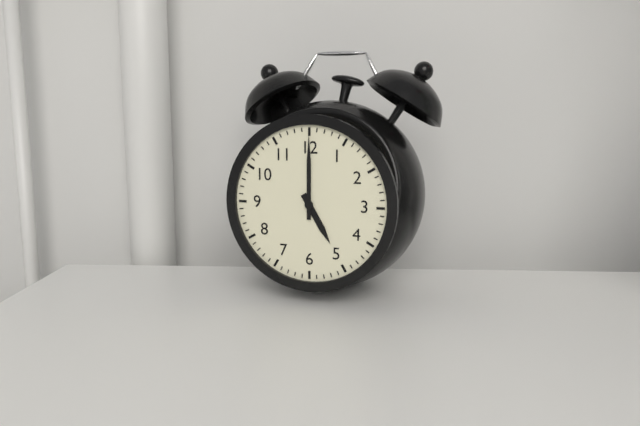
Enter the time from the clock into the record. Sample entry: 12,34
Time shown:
5,00
